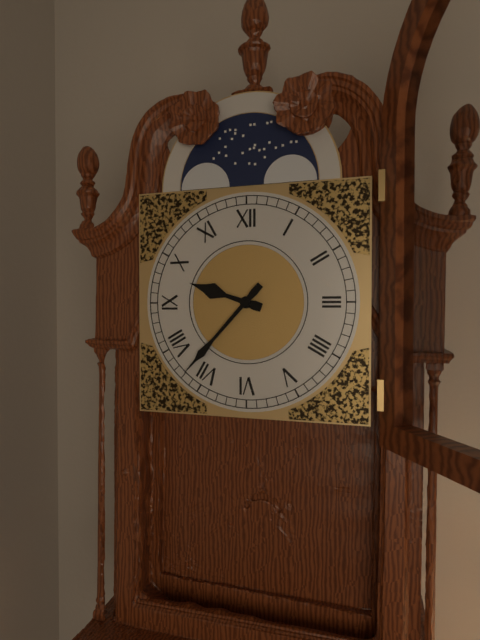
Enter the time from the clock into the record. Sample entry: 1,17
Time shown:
9,37
